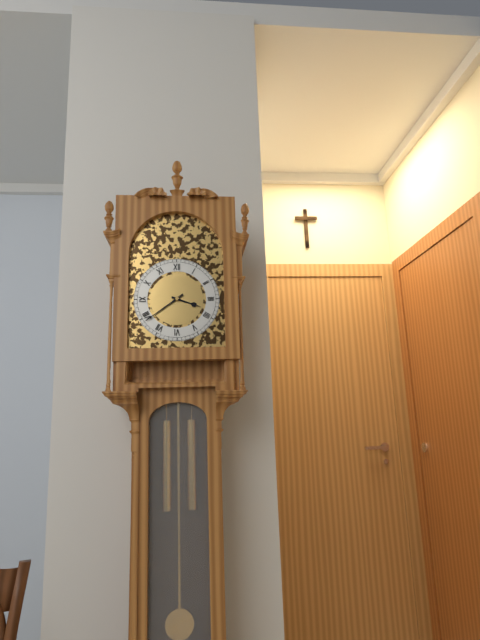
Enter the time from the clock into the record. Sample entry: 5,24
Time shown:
3,39
